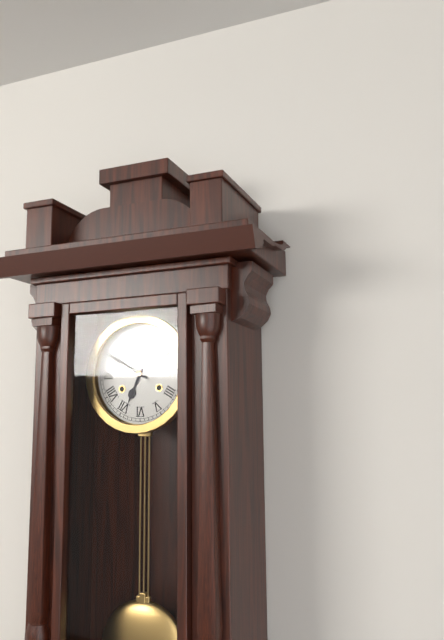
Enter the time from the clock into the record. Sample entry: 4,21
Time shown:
6,50
